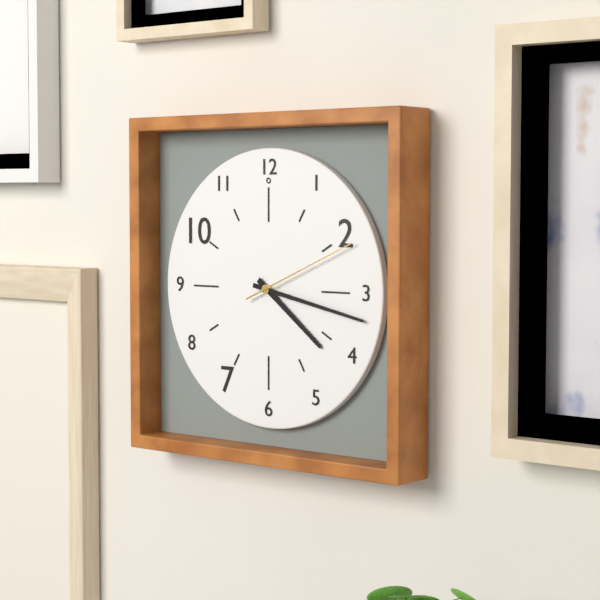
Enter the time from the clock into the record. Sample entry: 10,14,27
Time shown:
4,17,11
